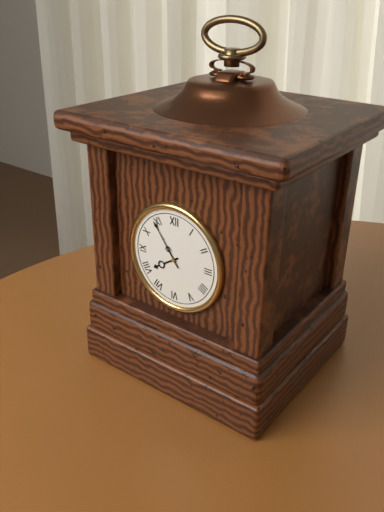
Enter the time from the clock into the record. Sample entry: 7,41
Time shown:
7,54
